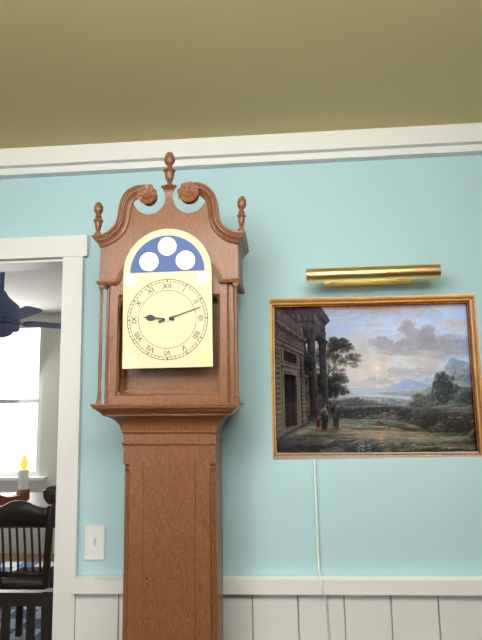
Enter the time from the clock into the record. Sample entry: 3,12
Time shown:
9,12
